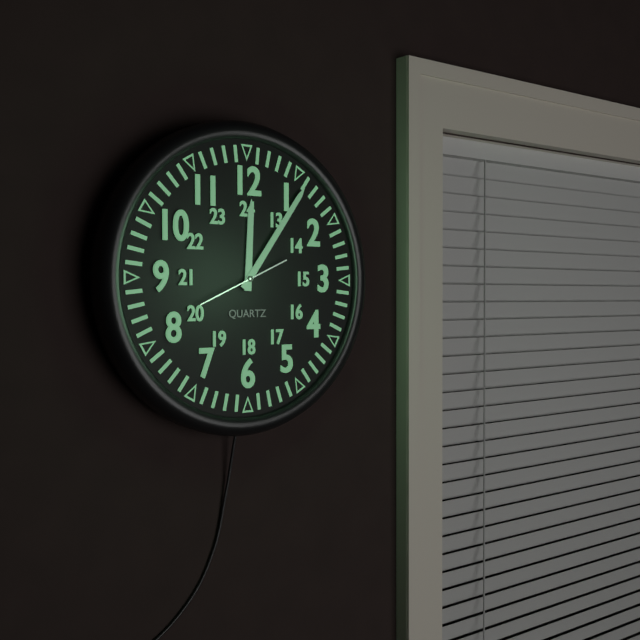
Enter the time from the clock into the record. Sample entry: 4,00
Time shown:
12,06
